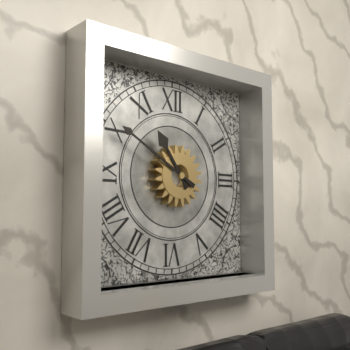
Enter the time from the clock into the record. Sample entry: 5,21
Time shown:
10,50
